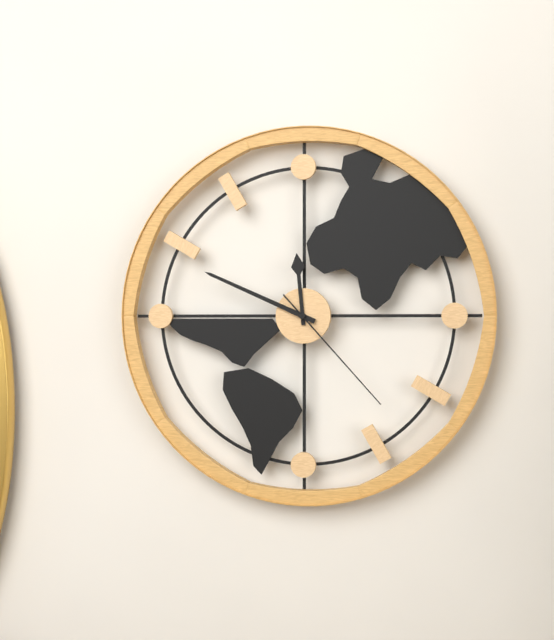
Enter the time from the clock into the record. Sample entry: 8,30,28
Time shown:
11,49,23
